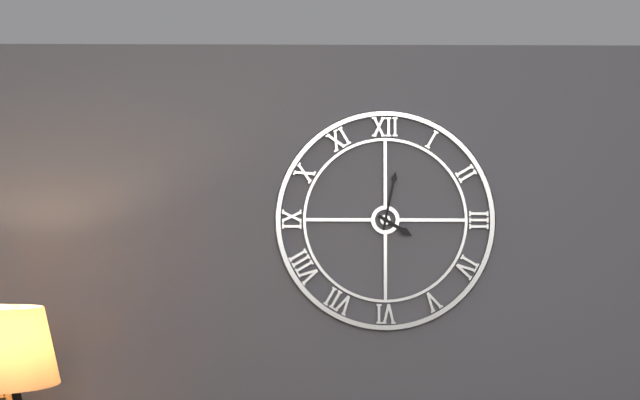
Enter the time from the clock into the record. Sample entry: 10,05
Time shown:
4,02
